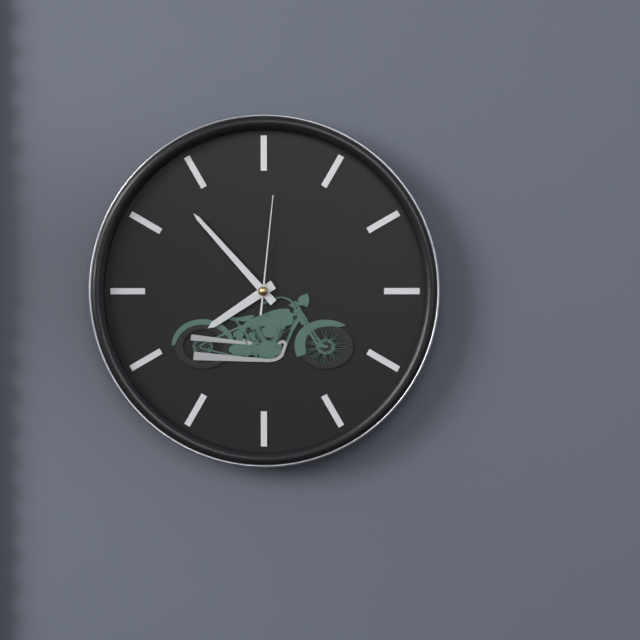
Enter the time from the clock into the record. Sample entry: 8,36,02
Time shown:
7,53,01
